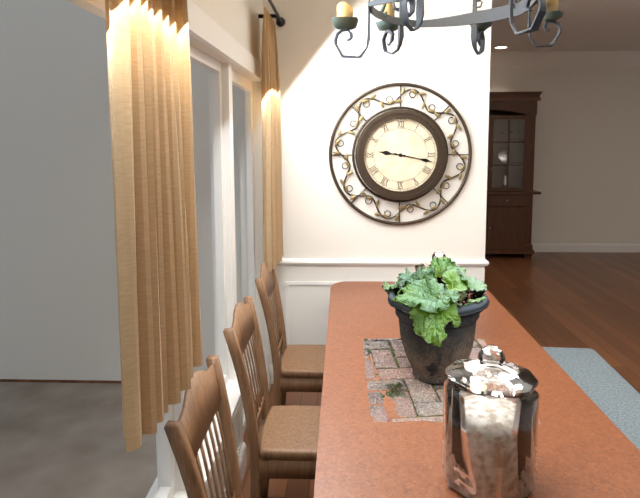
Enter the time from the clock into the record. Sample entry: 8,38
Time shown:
9,17
